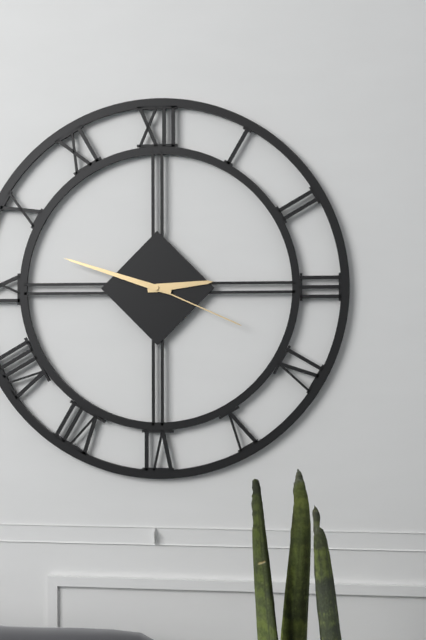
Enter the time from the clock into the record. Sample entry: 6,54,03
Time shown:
2,48,19
